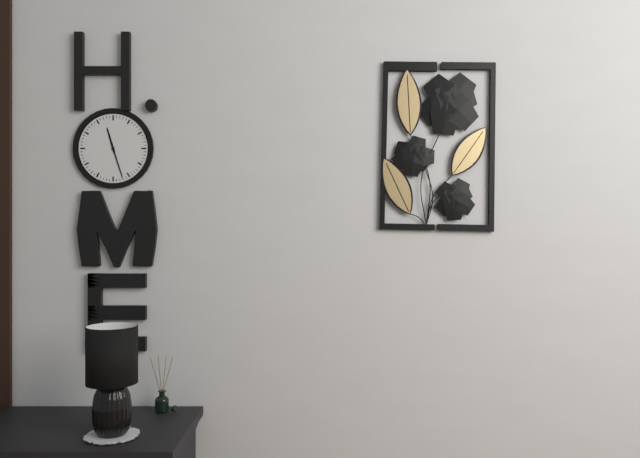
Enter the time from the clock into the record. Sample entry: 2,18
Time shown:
11,27
